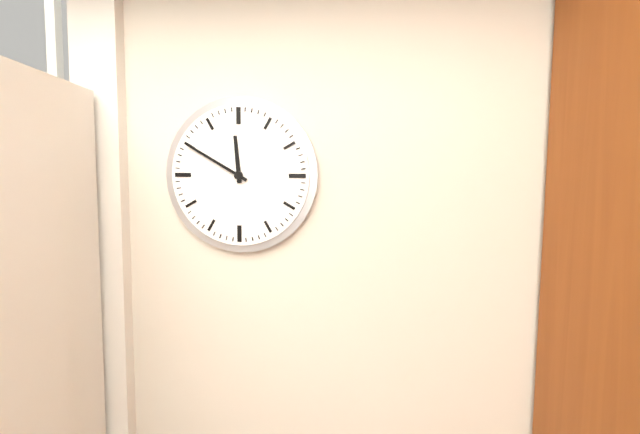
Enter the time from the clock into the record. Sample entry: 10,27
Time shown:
11,50
